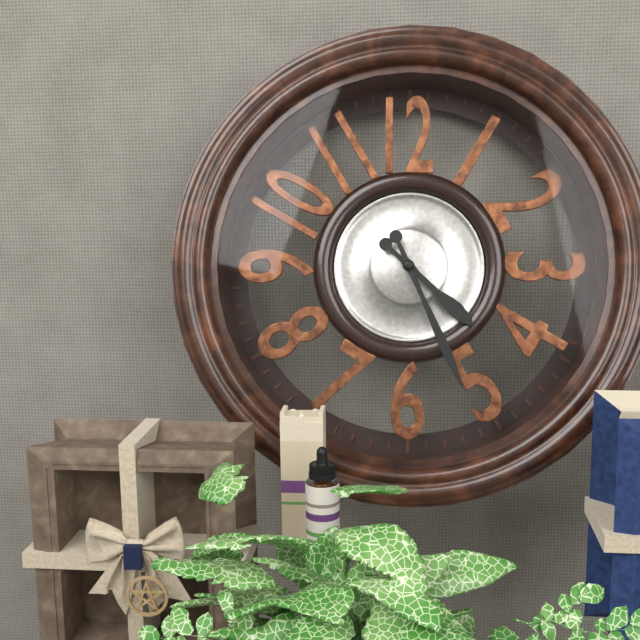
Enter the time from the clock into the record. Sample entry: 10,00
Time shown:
4,26
